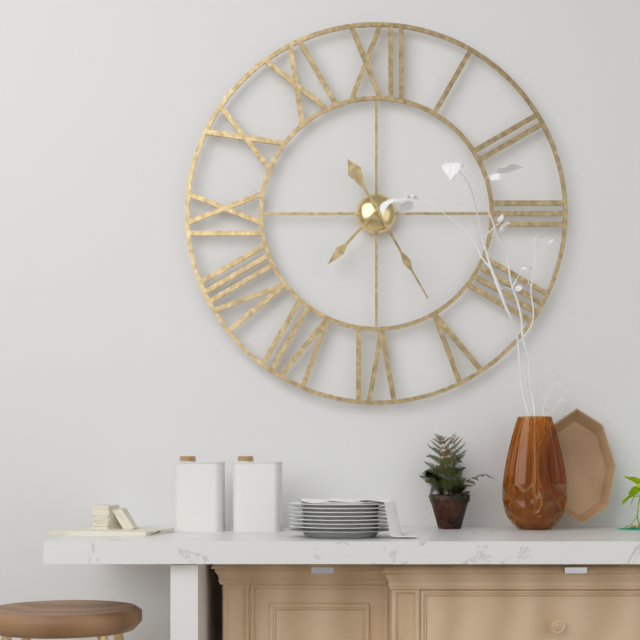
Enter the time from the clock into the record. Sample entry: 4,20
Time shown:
7,25
